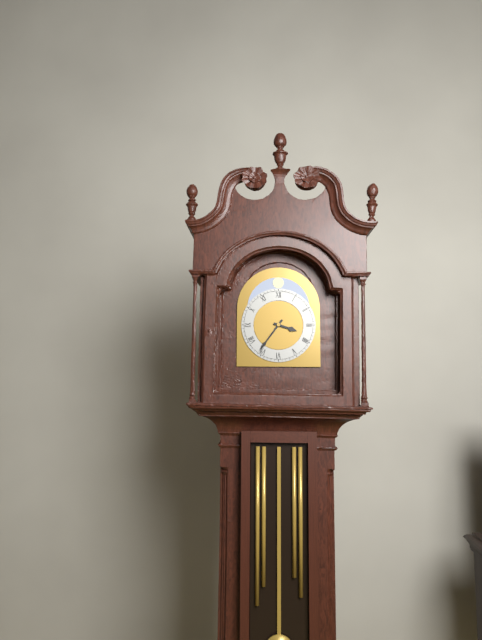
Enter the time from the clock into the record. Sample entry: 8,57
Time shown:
3,36
